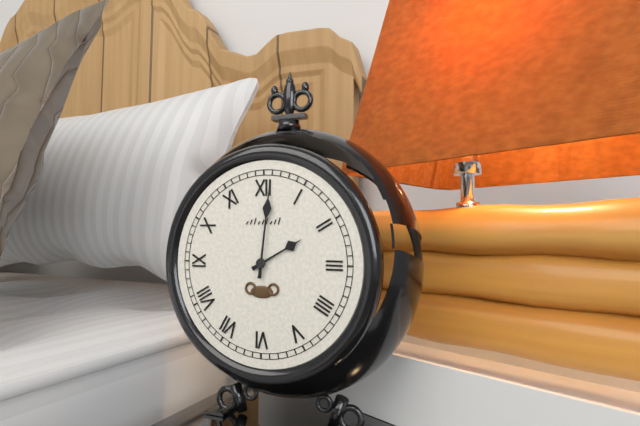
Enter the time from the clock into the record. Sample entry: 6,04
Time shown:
2,01
